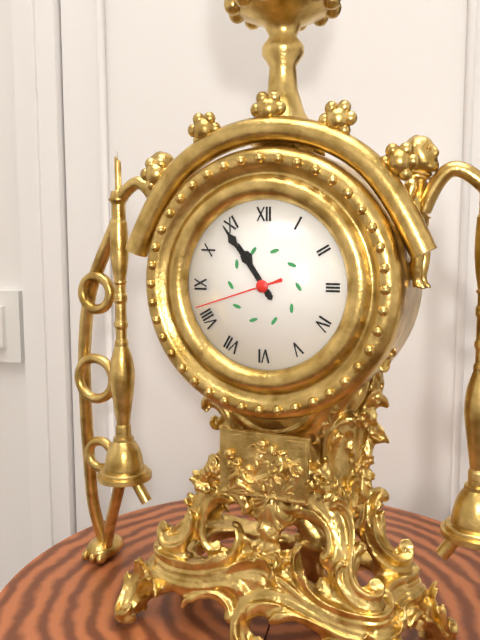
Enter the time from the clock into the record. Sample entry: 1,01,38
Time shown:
10,54,42
